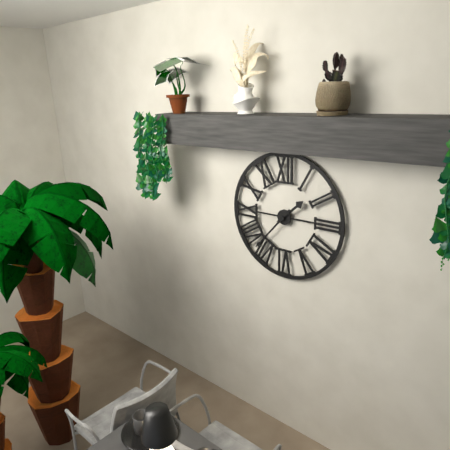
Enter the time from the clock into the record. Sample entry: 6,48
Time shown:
1,37
